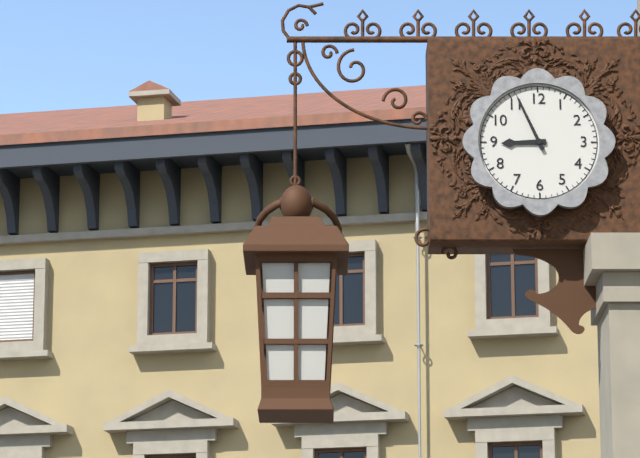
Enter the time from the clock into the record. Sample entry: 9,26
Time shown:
8,56
